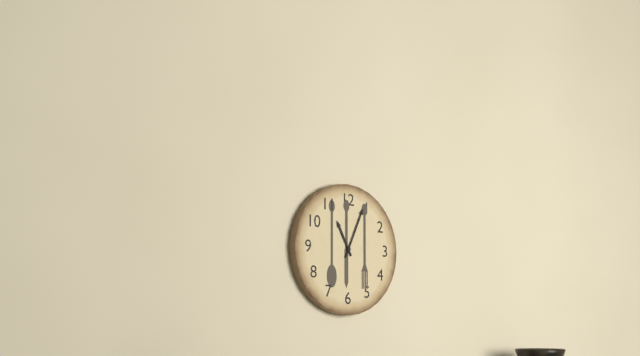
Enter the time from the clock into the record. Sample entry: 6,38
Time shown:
11,04
